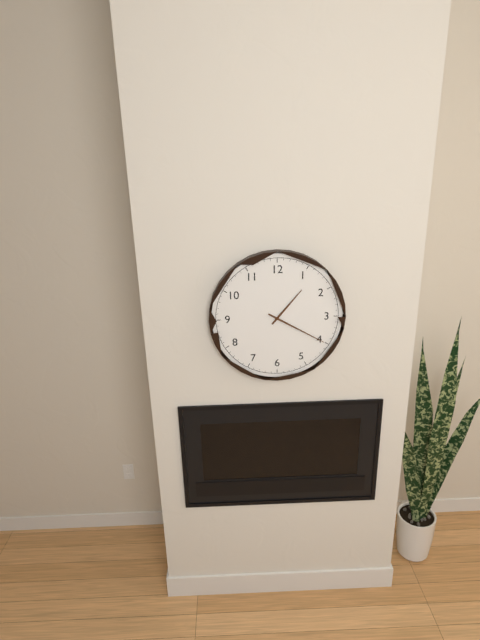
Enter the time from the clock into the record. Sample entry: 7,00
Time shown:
1,20
